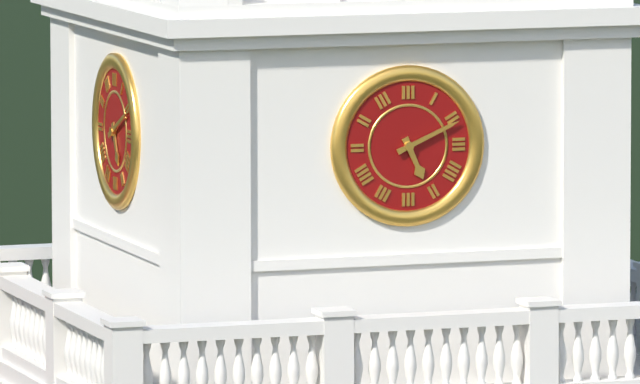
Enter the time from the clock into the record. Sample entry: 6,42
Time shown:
5,11
